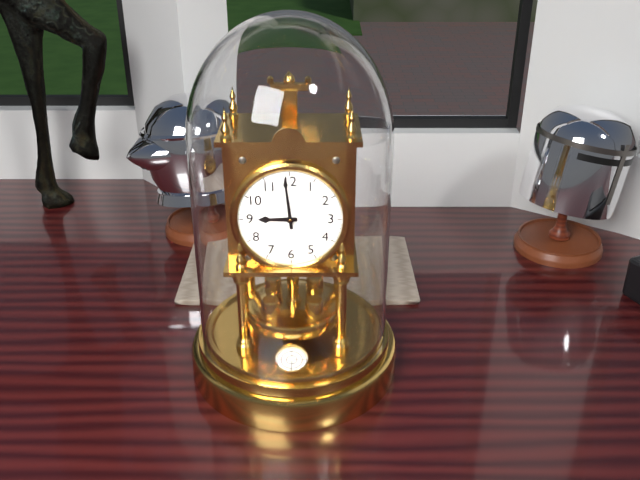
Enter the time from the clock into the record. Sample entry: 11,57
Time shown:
8,59
